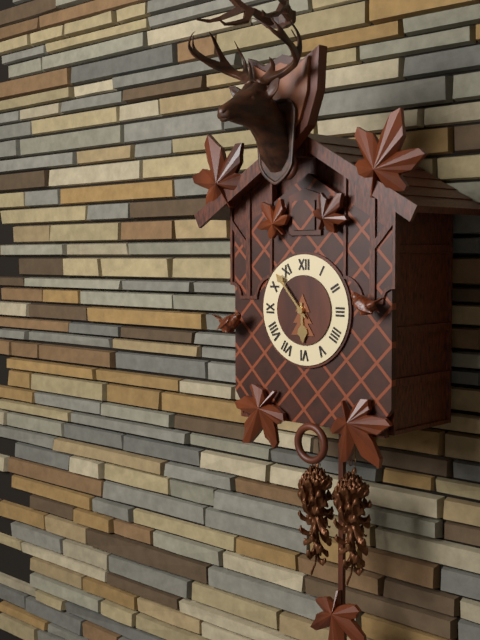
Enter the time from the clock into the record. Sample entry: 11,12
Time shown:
5,53
